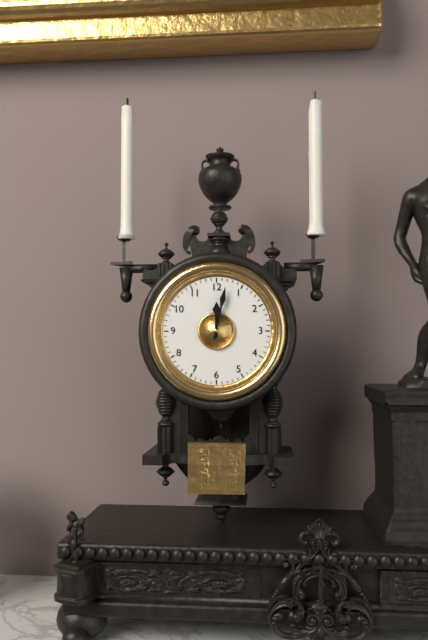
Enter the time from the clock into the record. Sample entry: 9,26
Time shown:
12,02
